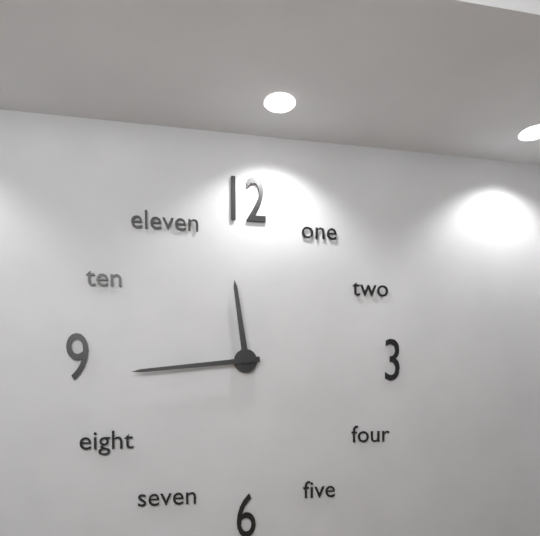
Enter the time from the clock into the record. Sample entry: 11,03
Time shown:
11,44
